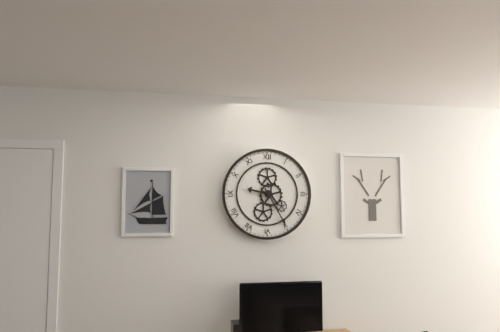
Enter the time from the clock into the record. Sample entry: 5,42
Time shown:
9,25
